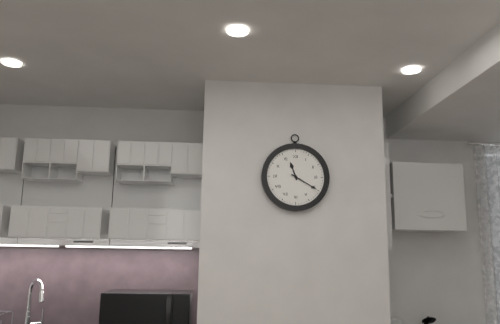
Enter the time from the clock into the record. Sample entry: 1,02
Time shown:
11,20
